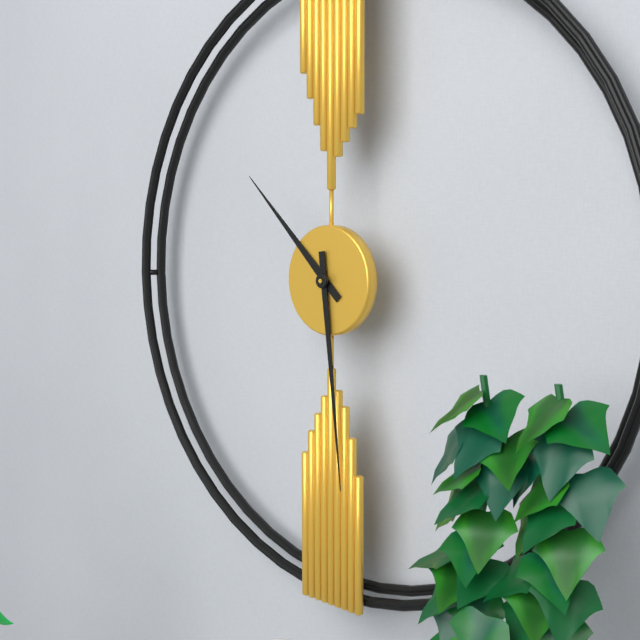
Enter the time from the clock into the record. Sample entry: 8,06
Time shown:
10,29
